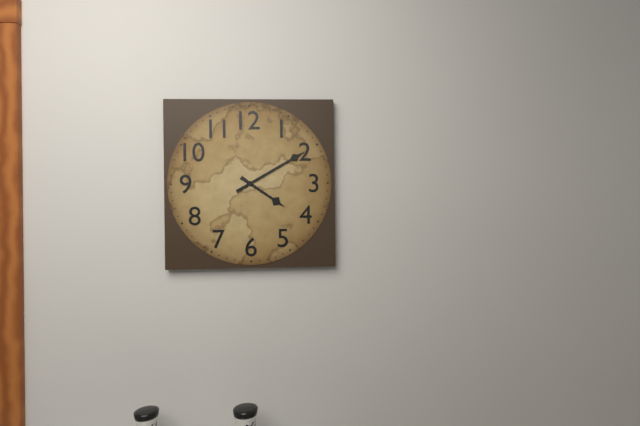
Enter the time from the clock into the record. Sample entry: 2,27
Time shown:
4,10
